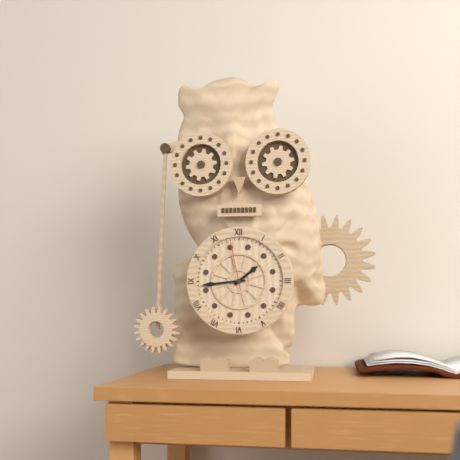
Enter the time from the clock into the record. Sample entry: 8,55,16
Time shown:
1,44,58
